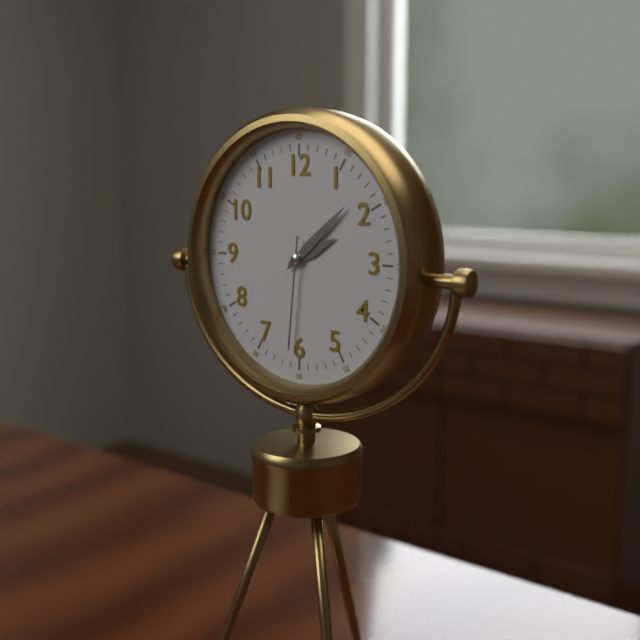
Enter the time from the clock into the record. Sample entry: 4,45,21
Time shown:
2,08,31
